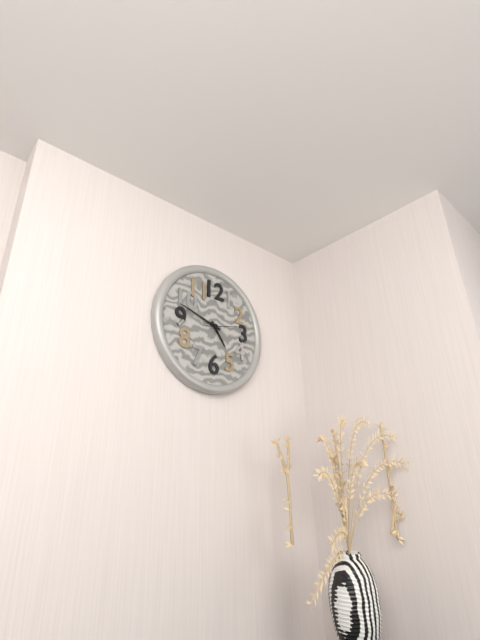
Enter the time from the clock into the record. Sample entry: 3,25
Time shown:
4,48
